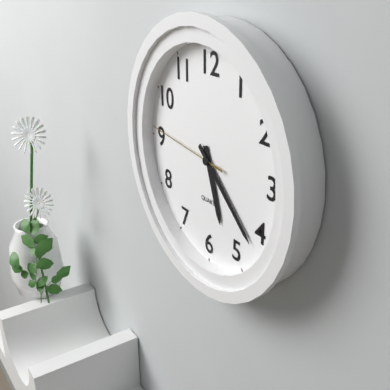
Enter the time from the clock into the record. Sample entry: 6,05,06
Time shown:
5,22,46
